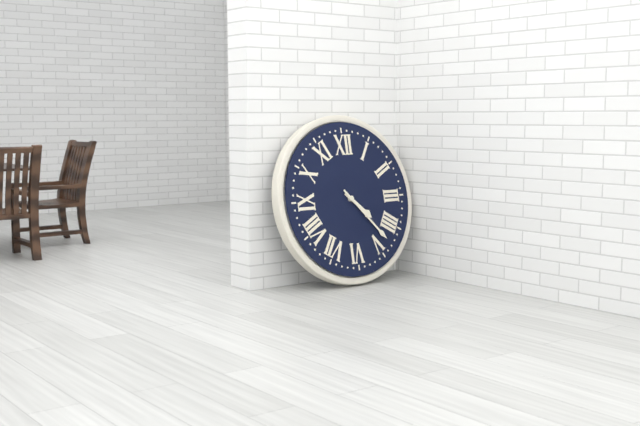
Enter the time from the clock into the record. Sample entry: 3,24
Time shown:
4,23
